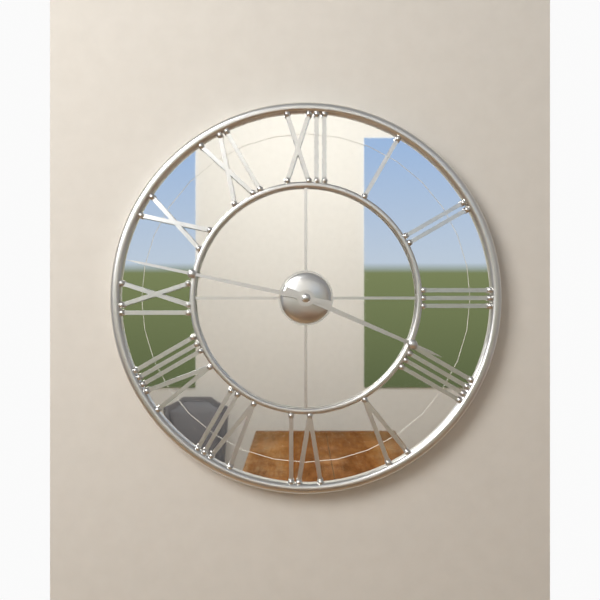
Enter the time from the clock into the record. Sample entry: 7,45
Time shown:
3,47
